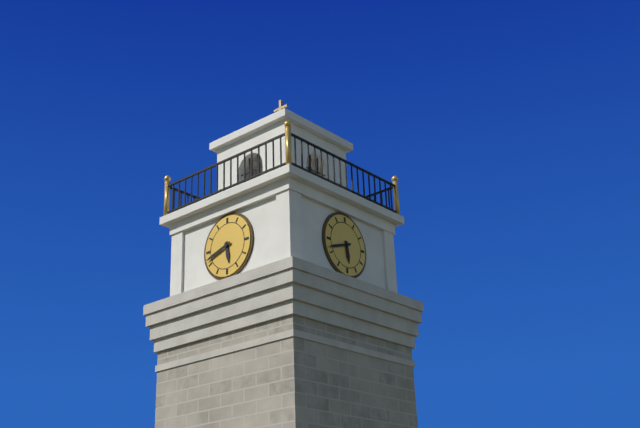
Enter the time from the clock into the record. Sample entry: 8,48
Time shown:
5,42
